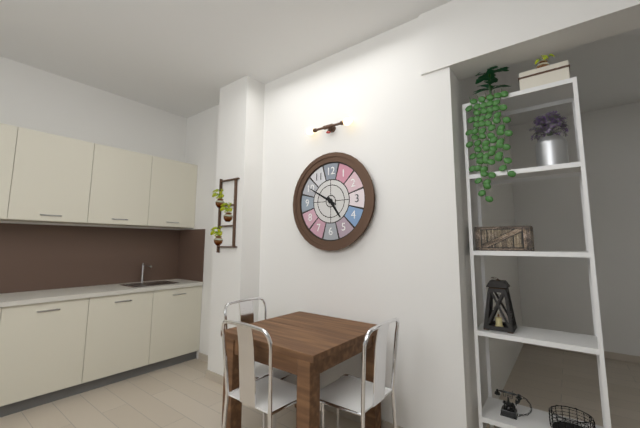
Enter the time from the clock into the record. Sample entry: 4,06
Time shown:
4,50
